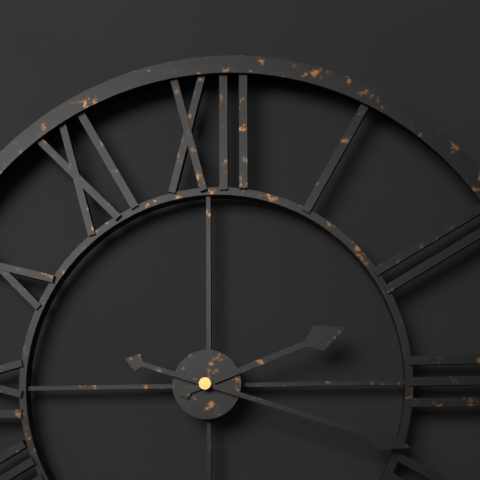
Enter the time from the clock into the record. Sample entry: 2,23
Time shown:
2,18
